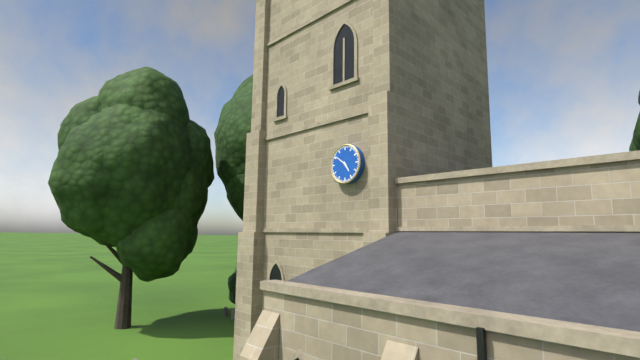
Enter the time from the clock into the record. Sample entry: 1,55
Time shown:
4,51
